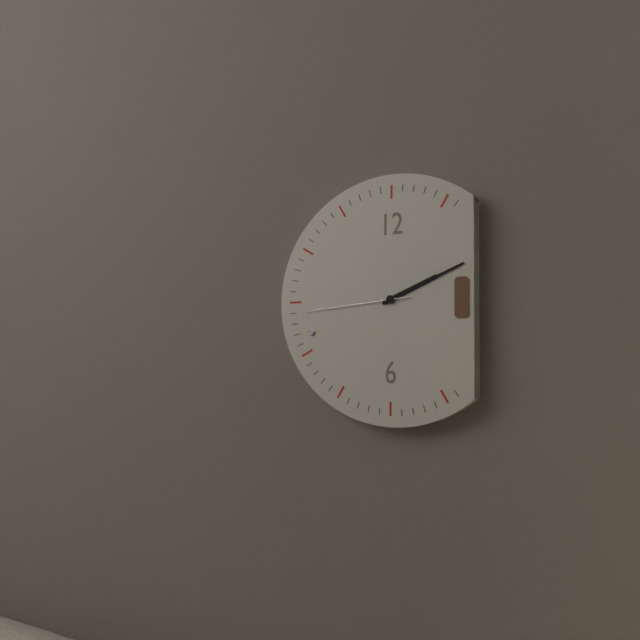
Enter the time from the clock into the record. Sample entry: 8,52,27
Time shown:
2,11,44
